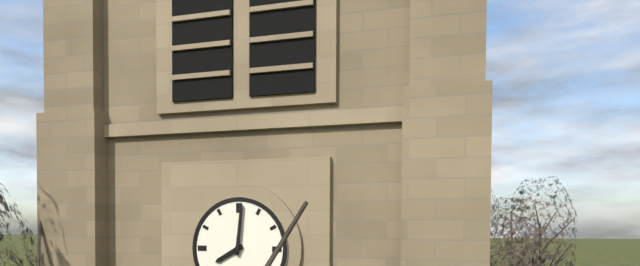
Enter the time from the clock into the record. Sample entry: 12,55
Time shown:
8,01
